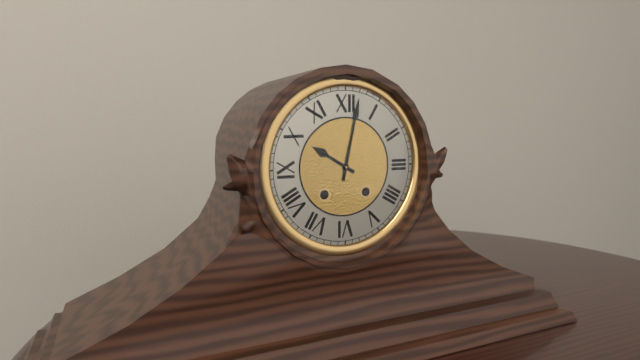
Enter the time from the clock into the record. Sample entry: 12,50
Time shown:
10,02
